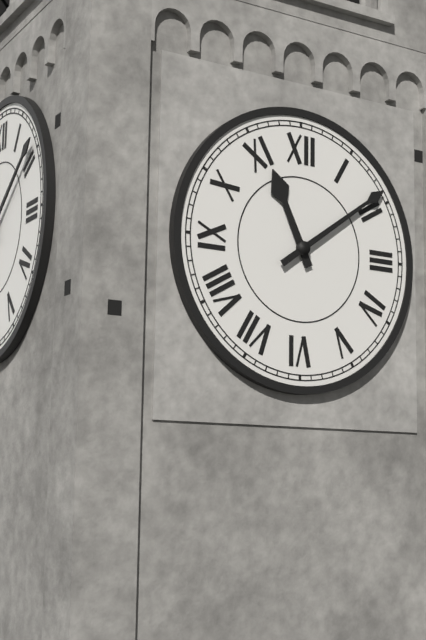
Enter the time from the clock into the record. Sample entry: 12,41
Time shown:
11,09
